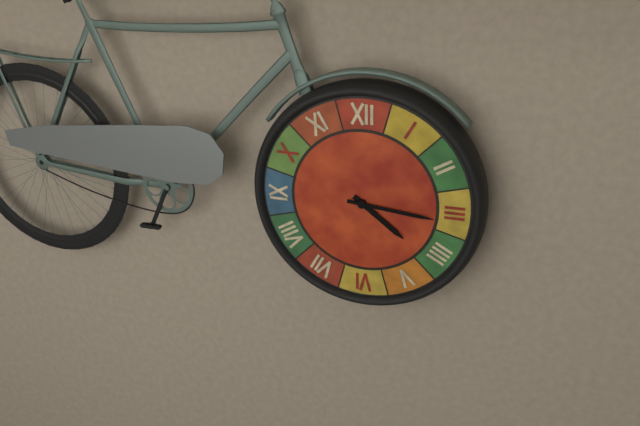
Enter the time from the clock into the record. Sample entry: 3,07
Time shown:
4,16
